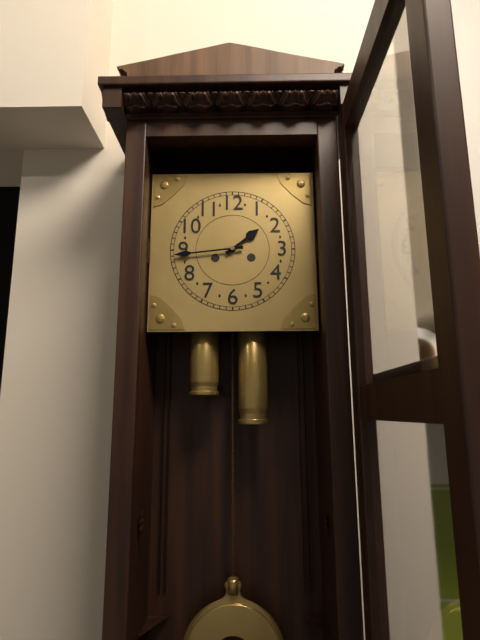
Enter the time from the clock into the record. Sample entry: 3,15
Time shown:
1,44
